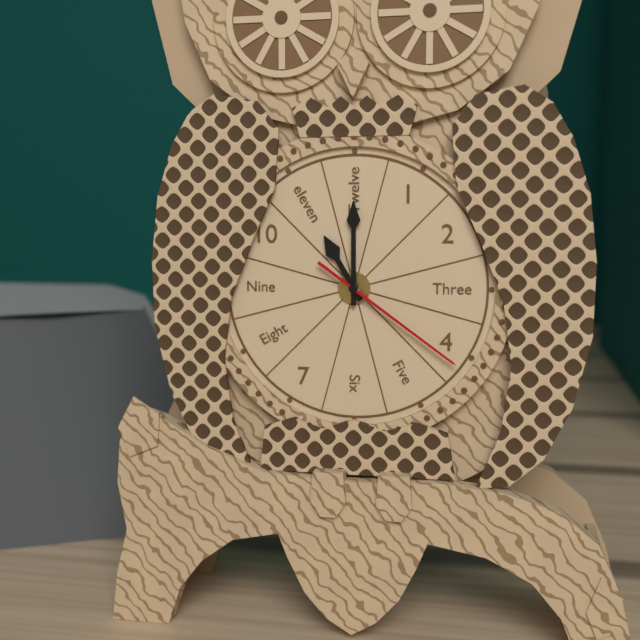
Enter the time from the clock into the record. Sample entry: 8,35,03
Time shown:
11,00,21
